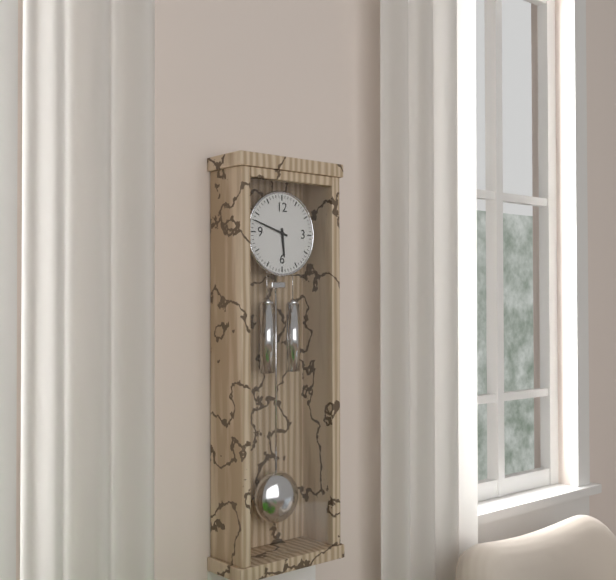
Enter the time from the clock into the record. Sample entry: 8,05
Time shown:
5,48
